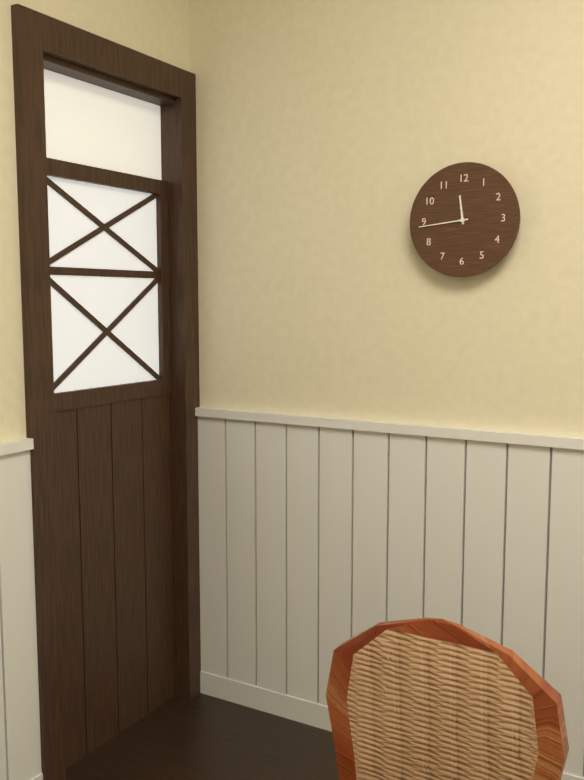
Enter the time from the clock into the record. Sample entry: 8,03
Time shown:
11,44
